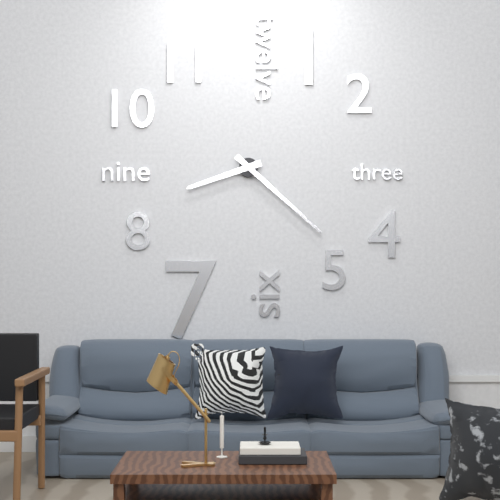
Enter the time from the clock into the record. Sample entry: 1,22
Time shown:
8,22
